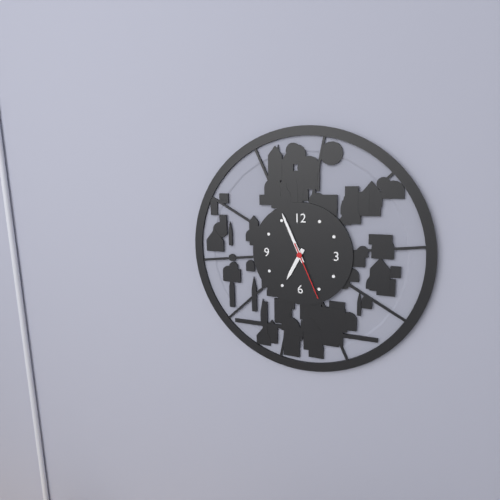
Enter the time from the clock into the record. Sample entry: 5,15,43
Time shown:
6,56,26
